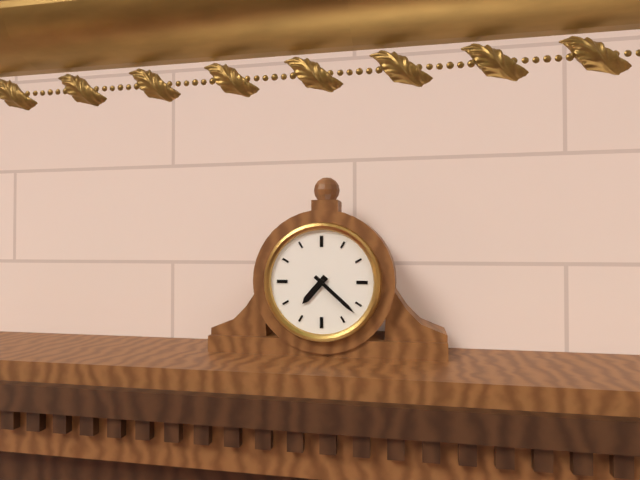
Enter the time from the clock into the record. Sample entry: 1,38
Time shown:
7,22
